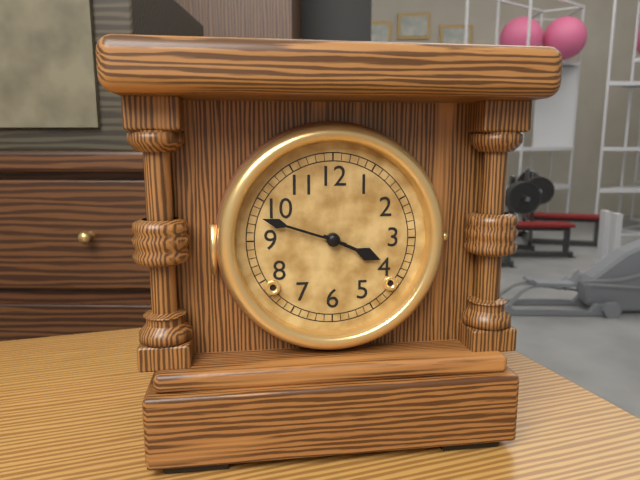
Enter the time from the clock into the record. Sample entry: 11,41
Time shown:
3,48
